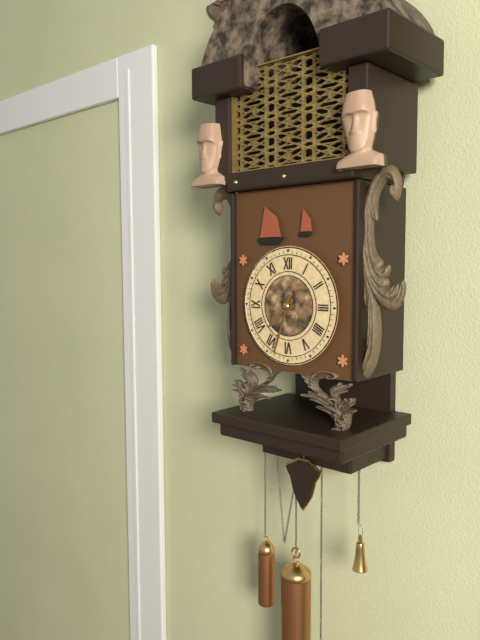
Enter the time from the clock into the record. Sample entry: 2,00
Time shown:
7,33
